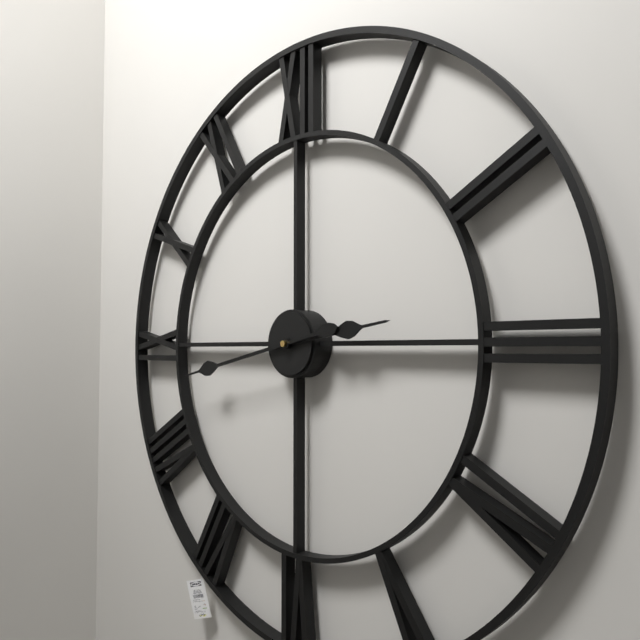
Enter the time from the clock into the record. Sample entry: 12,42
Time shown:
2,43
